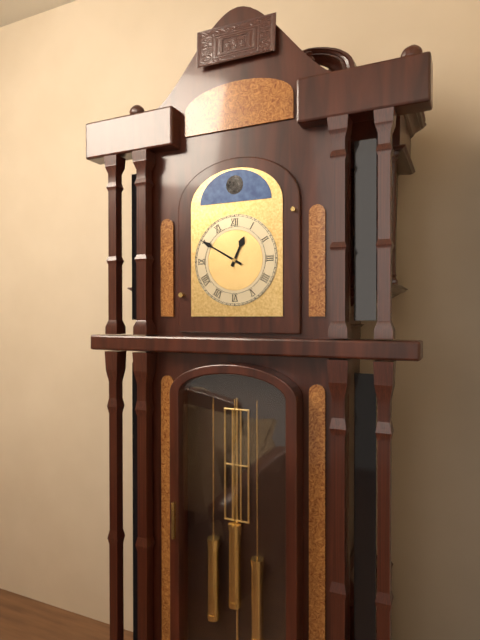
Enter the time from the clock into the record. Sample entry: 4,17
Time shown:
12,50
